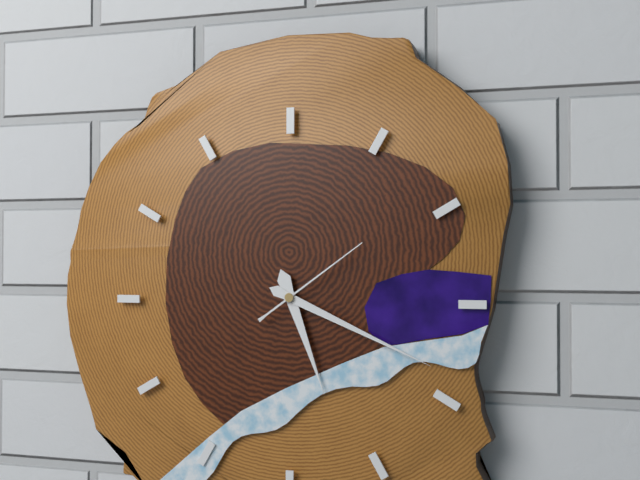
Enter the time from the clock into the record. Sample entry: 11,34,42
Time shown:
5,19,09
